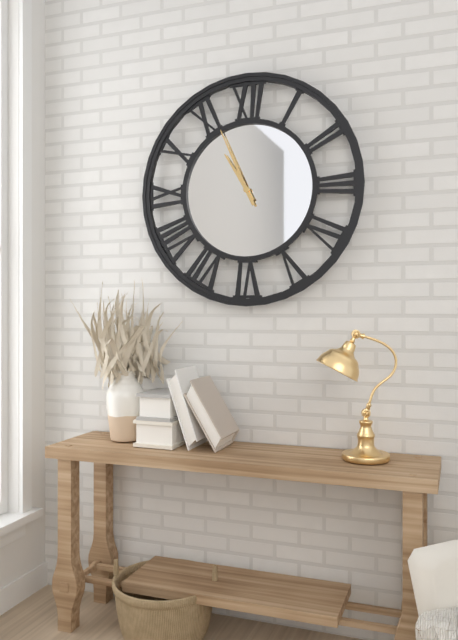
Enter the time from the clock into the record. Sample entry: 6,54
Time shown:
10,56
